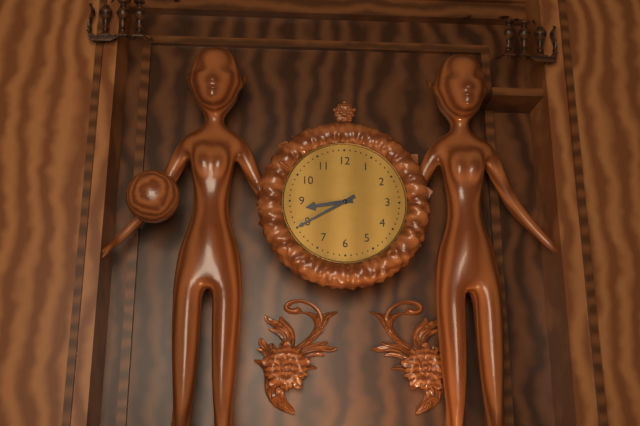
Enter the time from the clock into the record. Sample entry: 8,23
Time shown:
8,40
